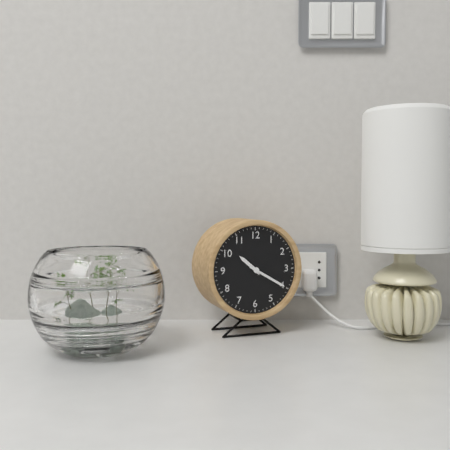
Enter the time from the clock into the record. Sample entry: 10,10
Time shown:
10,20
